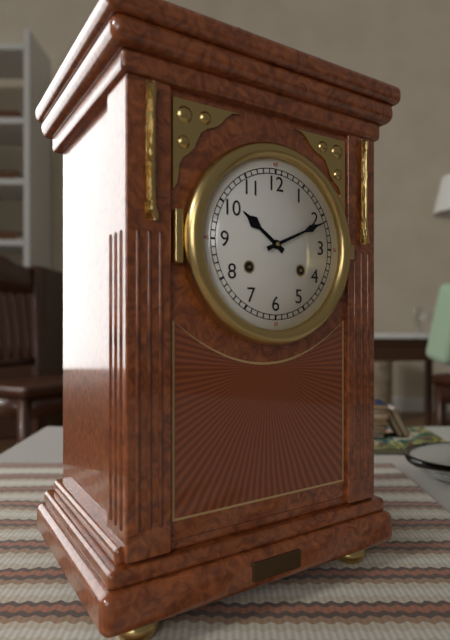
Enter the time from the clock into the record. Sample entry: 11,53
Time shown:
10,11
